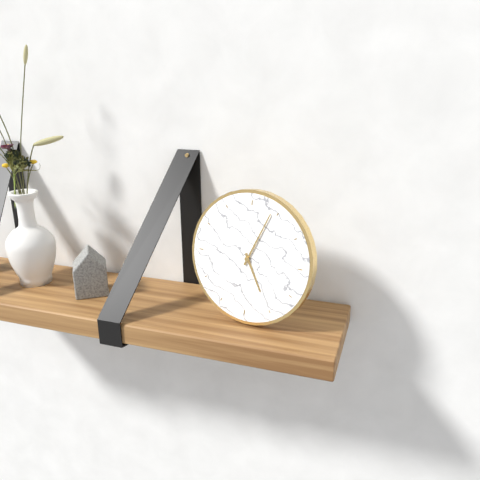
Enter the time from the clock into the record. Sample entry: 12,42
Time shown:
5,04
